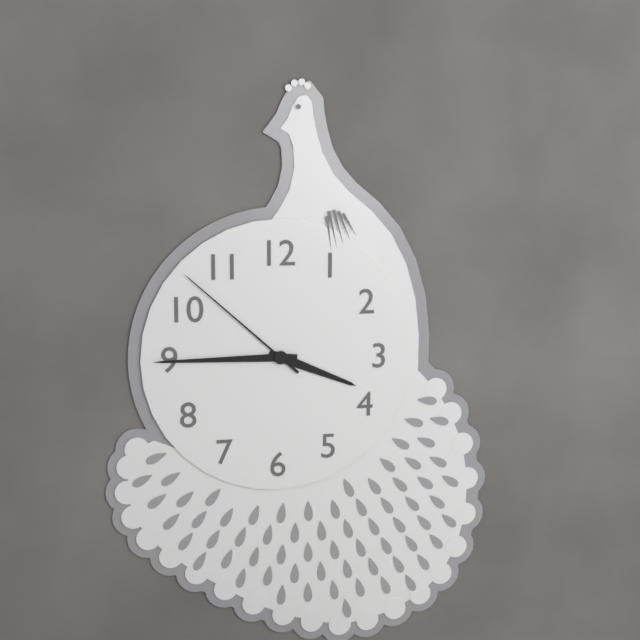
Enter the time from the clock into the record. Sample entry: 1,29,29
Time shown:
3,45,52
